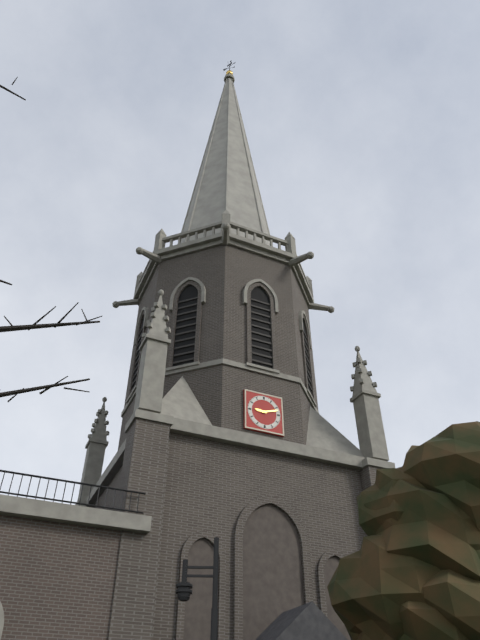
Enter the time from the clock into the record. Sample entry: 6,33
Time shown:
9,12
